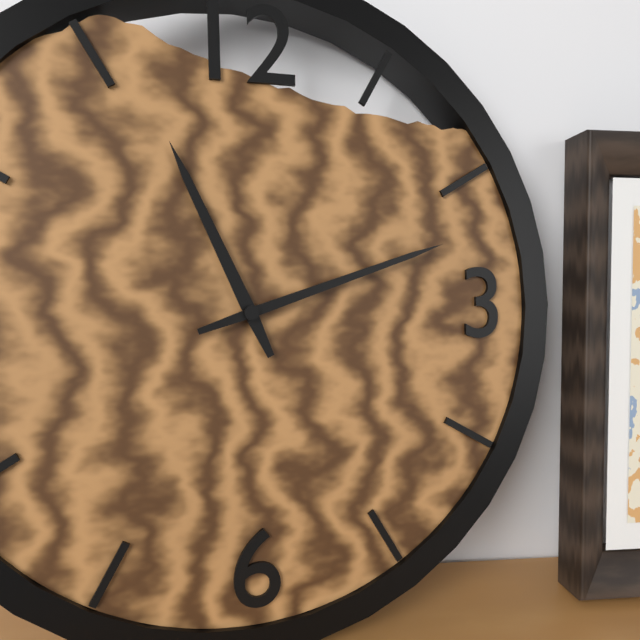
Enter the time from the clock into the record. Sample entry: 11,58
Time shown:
11,12
